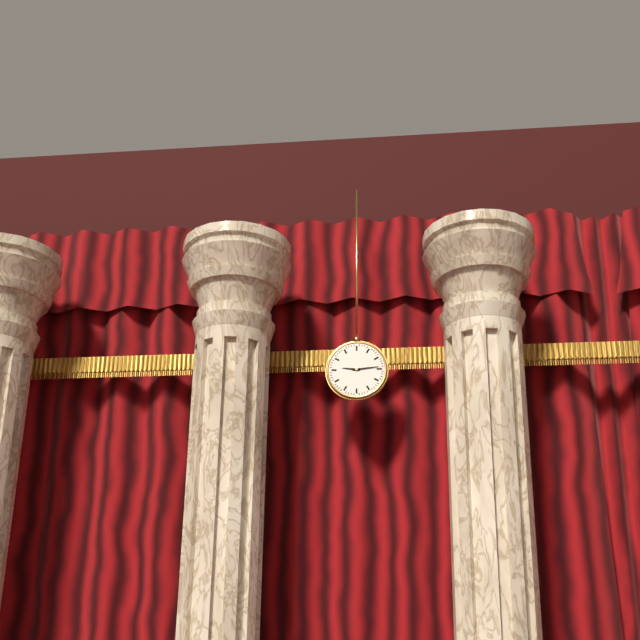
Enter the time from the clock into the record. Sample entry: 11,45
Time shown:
9,14
